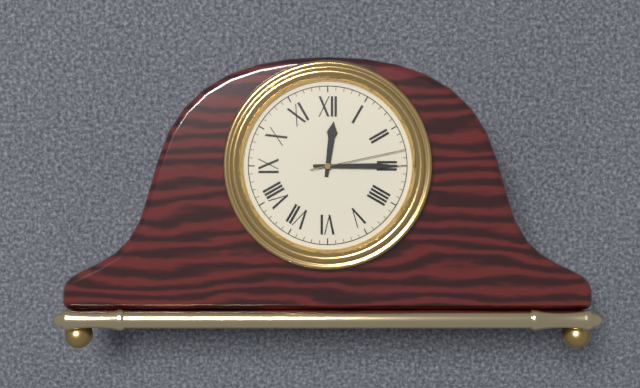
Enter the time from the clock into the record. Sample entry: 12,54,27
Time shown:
12,15,13
